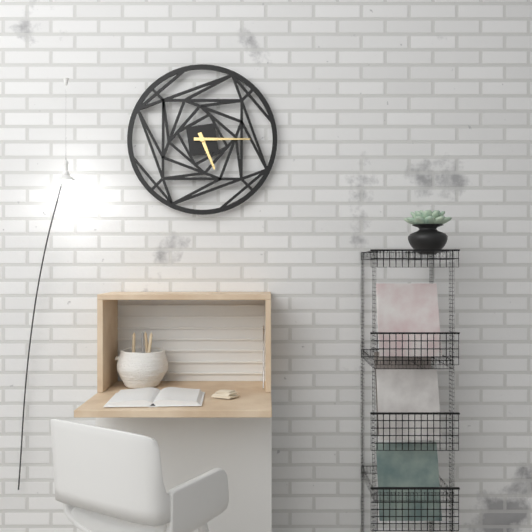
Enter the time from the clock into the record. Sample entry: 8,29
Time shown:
5,15
